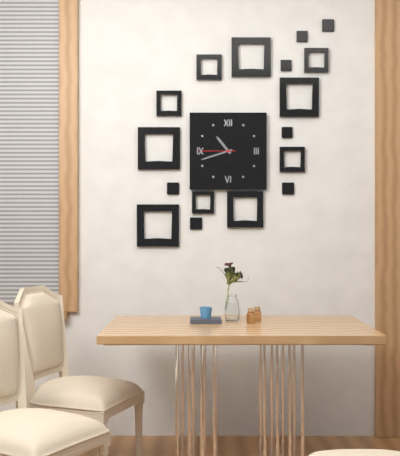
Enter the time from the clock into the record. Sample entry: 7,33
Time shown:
10,42
